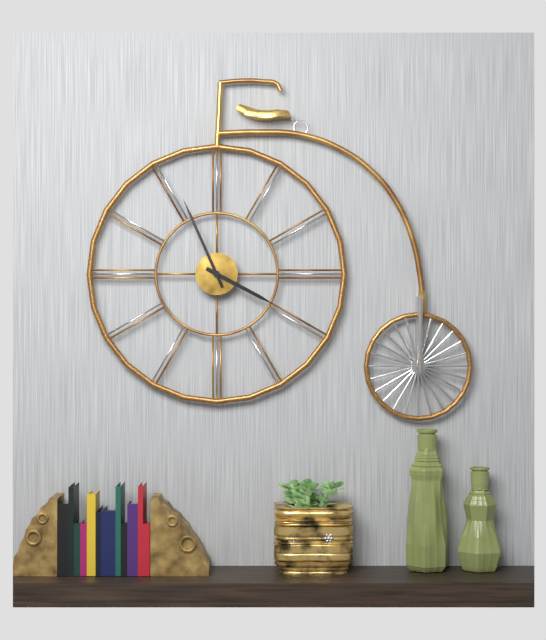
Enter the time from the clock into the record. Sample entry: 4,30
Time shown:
3,56
